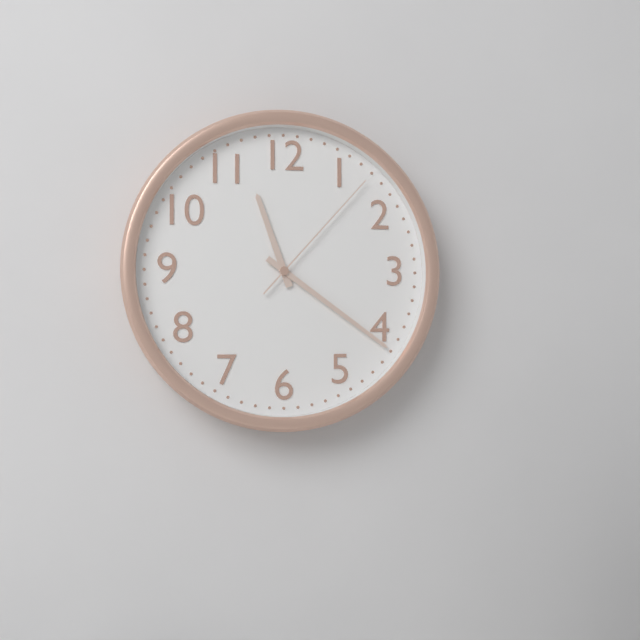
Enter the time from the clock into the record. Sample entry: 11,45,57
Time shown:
11,21,07
